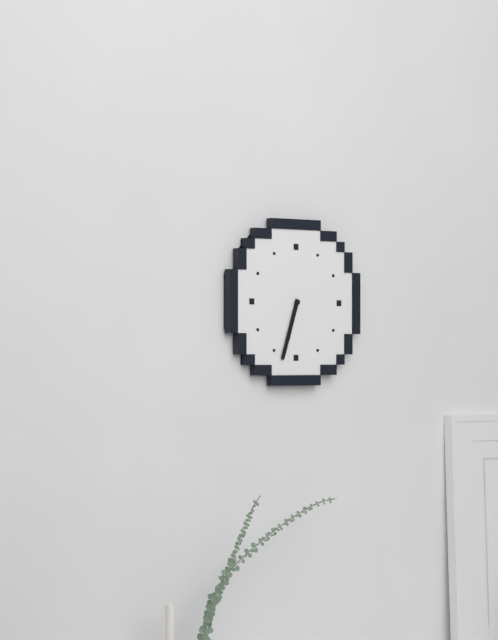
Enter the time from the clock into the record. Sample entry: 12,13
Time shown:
6,33
